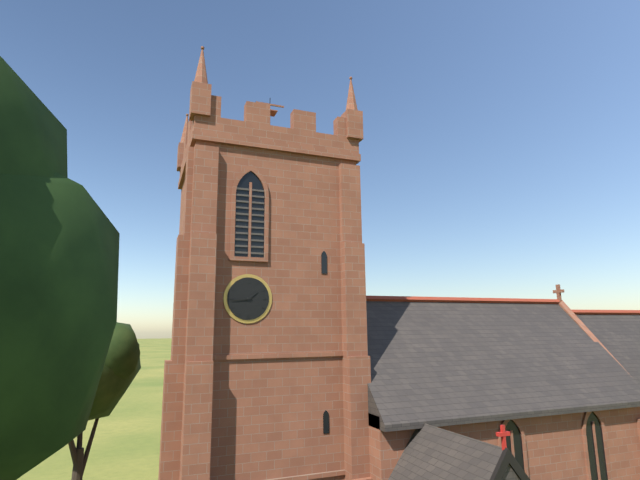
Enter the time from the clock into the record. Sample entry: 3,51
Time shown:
1,44
